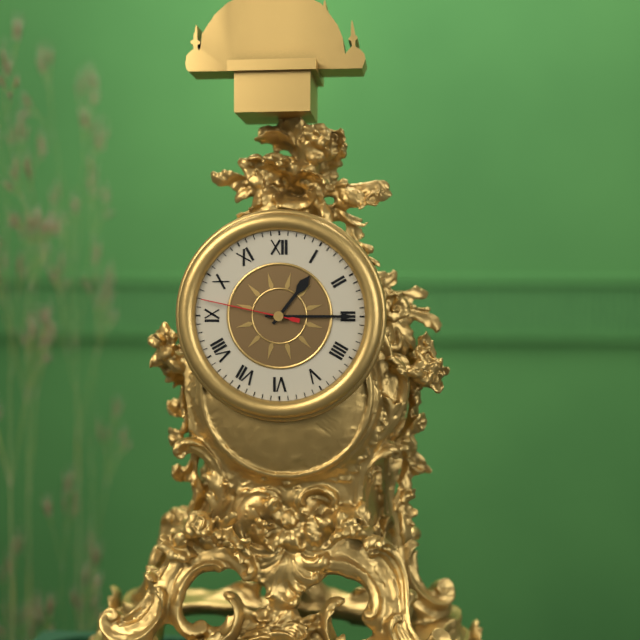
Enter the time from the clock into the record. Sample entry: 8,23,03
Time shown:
1,15,47
